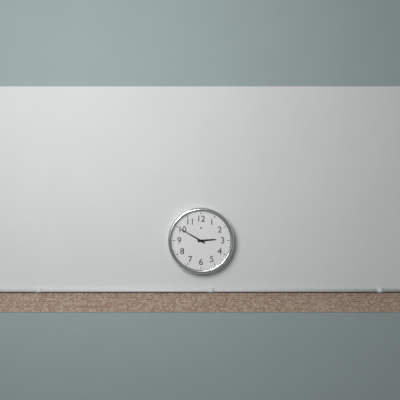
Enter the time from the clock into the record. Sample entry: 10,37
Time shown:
2,50
